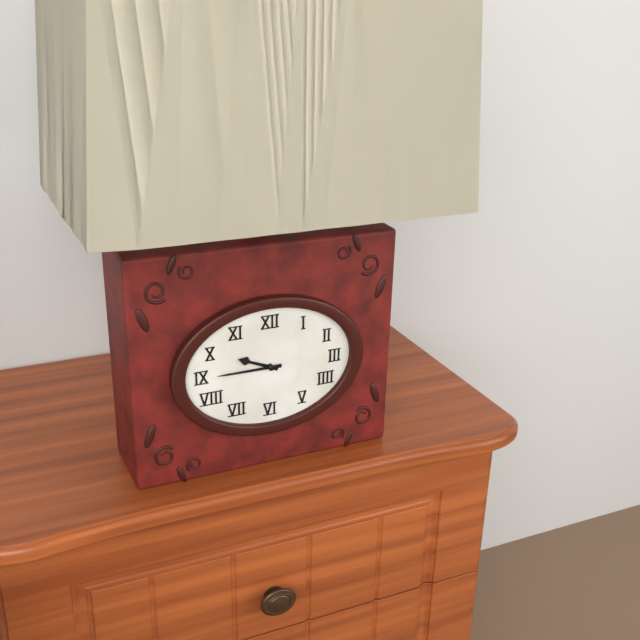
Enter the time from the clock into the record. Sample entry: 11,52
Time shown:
9,45
